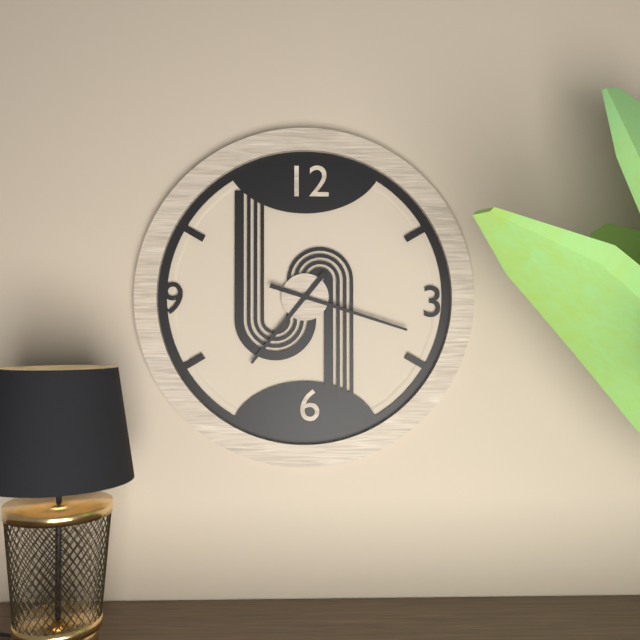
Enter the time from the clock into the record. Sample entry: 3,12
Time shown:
7,18
